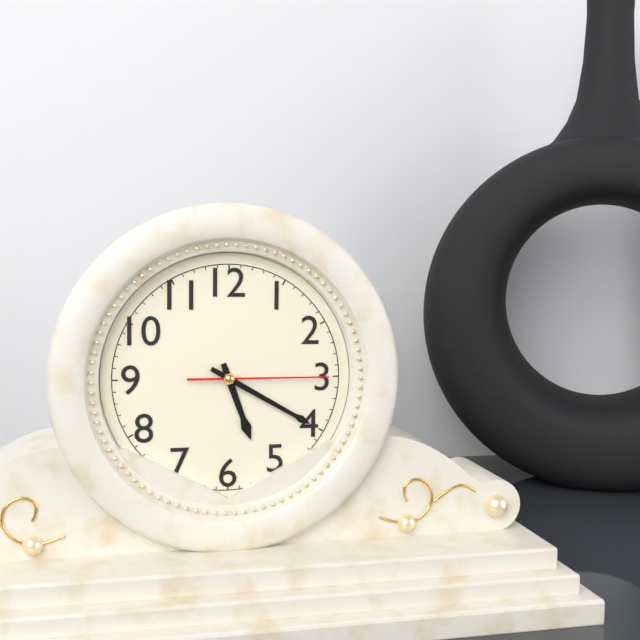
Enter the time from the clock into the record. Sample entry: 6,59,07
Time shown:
5,20,15
